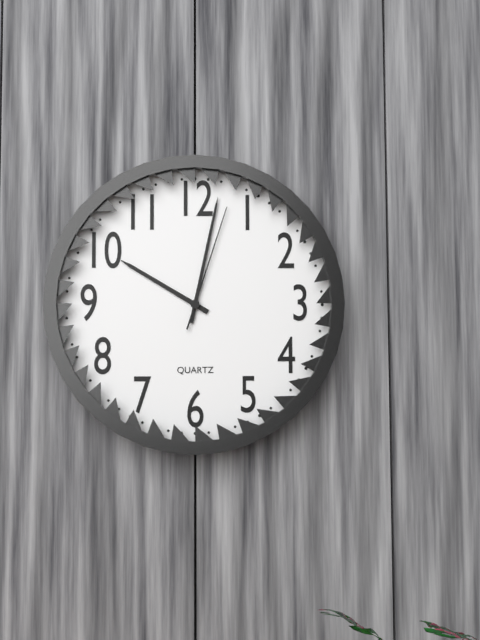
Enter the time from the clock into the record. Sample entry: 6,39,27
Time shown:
10,02,03
